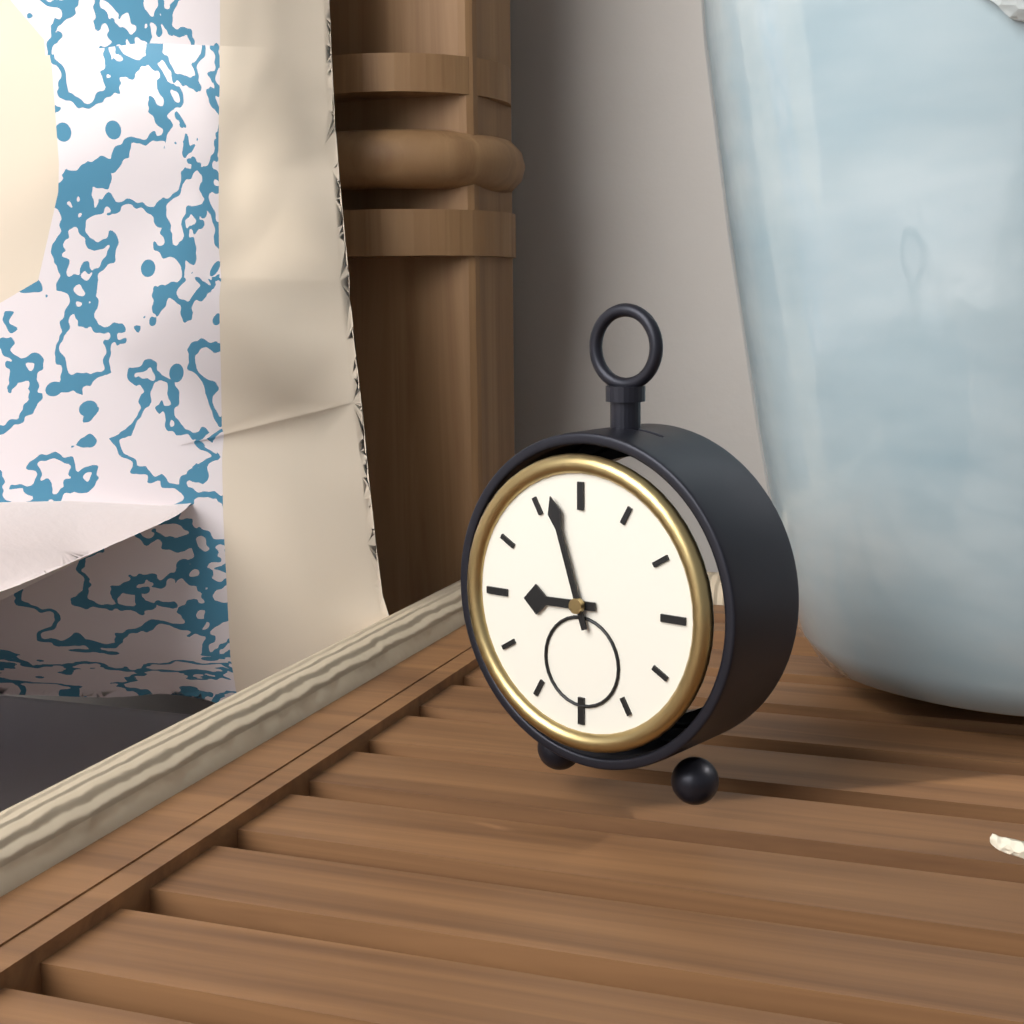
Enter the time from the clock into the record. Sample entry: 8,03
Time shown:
8,57
